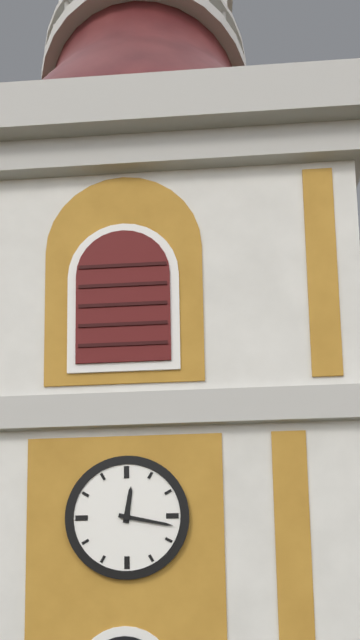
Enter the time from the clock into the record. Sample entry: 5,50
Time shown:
12,17
